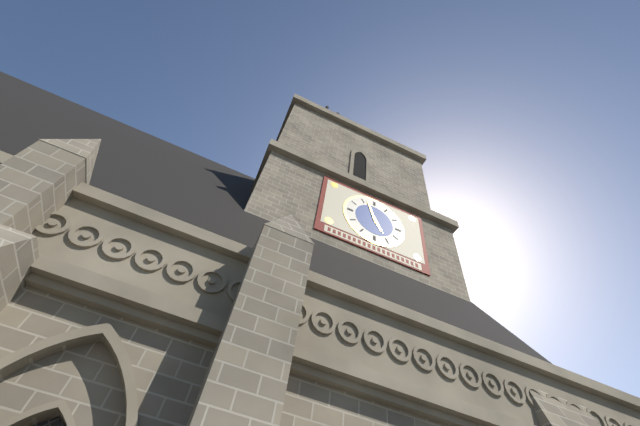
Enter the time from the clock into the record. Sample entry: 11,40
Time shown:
4,57
